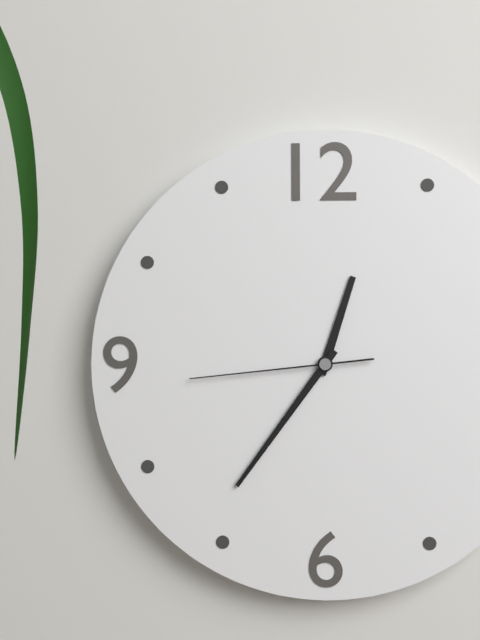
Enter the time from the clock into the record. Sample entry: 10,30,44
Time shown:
12,36,44
